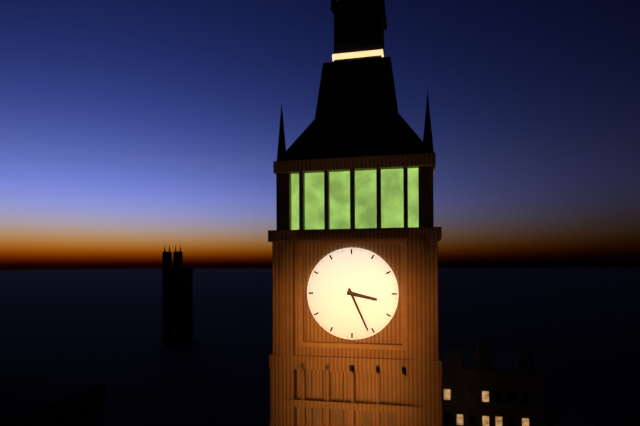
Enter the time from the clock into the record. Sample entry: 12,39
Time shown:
3,26
